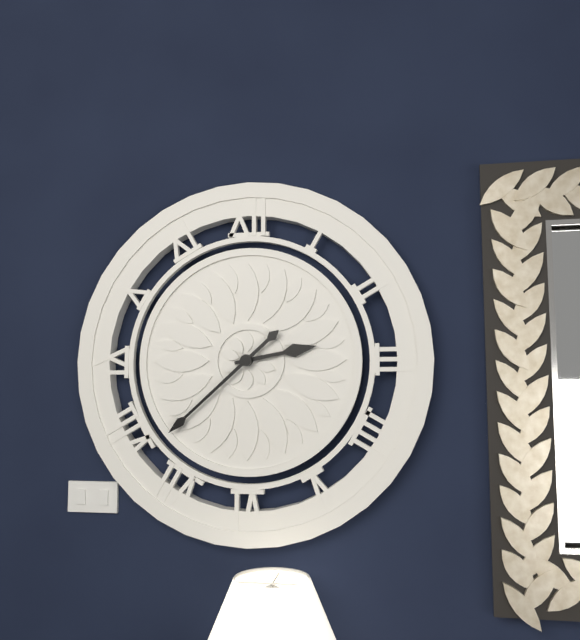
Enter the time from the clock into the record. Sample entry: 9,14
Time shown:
2,38
